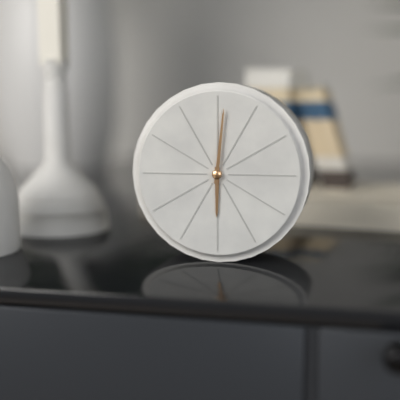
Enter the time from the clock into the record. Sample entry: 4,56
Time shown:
6,01
